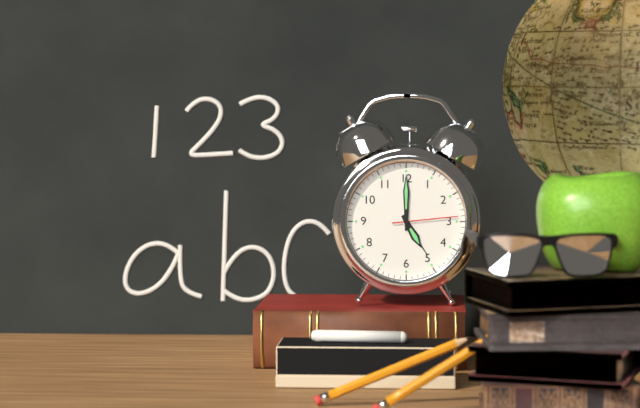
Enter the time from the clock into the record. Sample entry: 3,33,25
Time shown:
5,00,14
